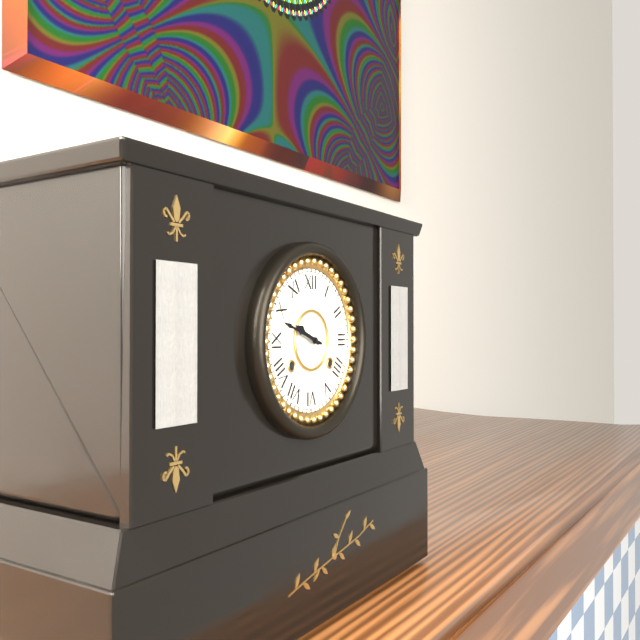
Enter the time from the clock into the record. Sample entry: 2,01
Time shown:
9,48
